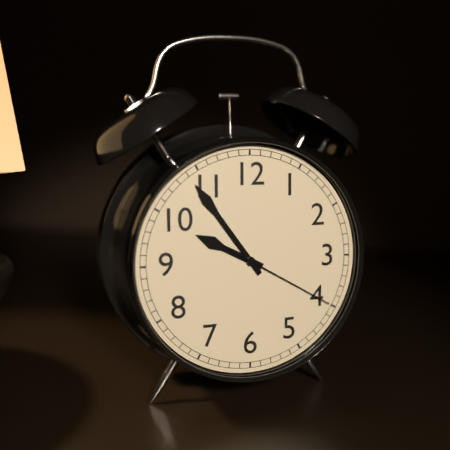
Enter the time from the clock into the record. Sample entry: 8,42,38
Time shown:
9,54,20
